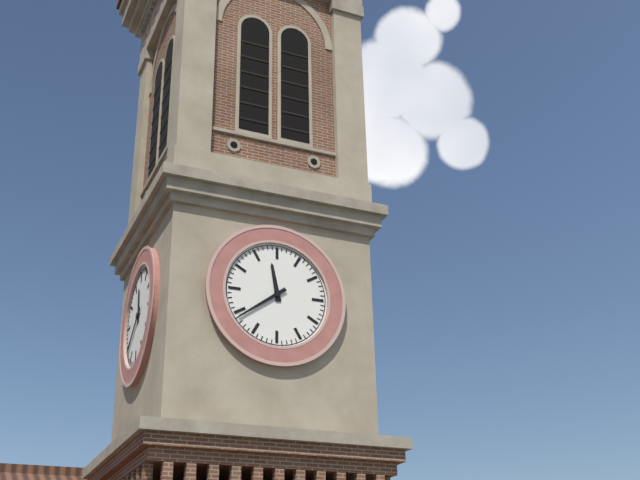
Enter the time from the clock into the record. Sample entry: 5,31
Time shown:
11,39
